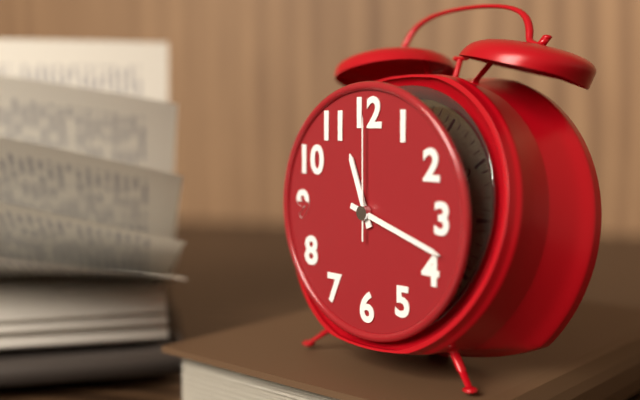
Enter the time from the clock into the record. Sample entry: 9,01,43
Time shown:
11,18,00
